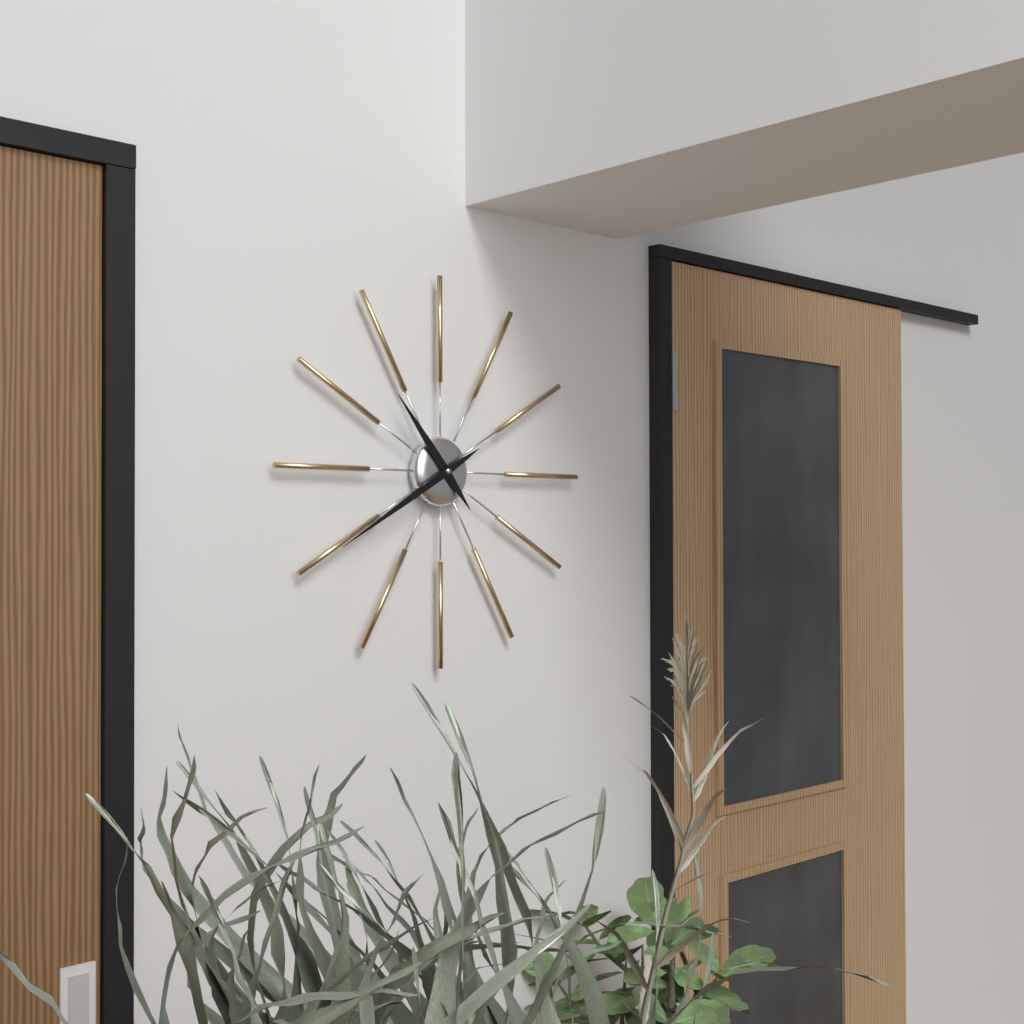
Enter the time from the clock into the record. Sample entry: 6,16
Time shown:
10,40
